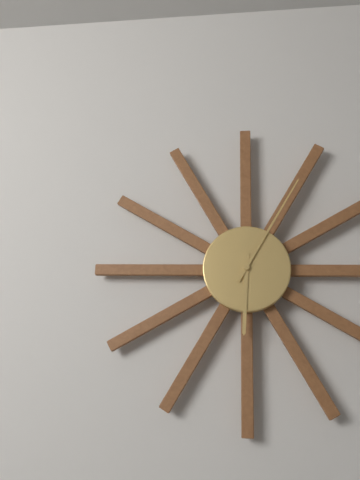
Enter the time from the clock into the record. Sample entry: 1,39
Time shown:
6,05
